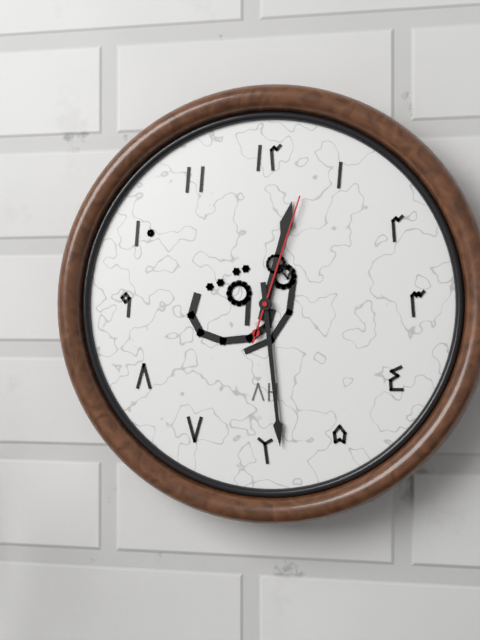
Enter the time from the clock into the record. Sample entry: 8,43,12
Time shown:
12,29,03
